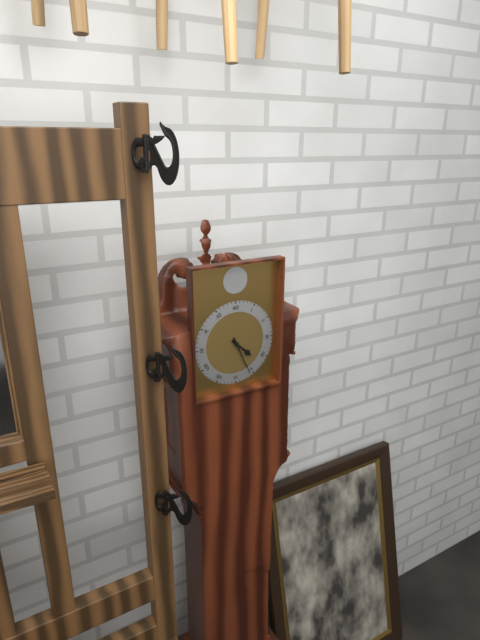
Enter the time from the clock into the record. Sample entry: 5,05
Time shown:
4,26
